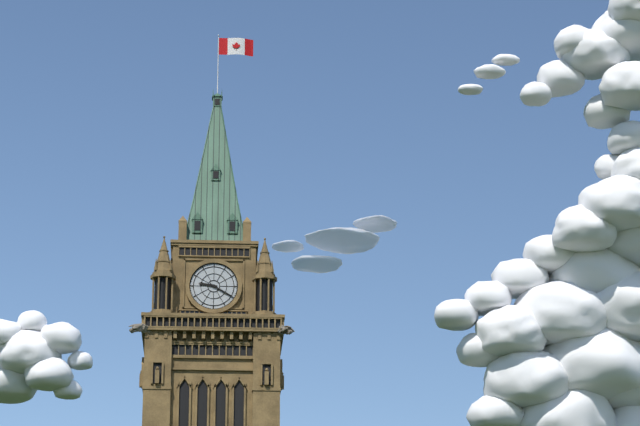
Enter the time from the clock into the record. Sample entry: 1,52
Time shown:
9,20
